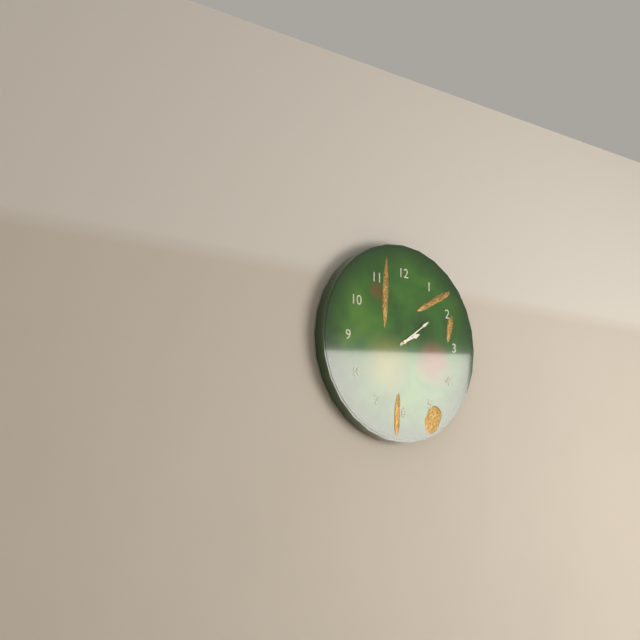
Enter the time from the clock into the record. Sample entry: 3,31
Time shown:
2,09
